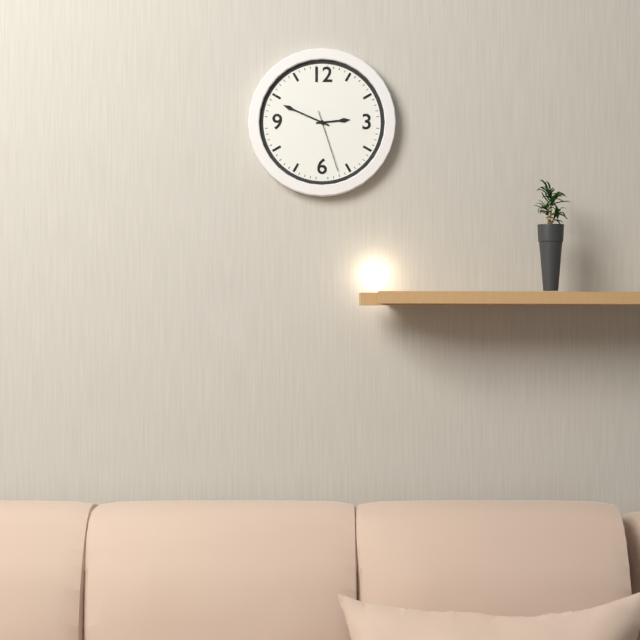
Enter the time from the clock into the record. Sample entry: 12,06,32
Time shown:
2,49,27
